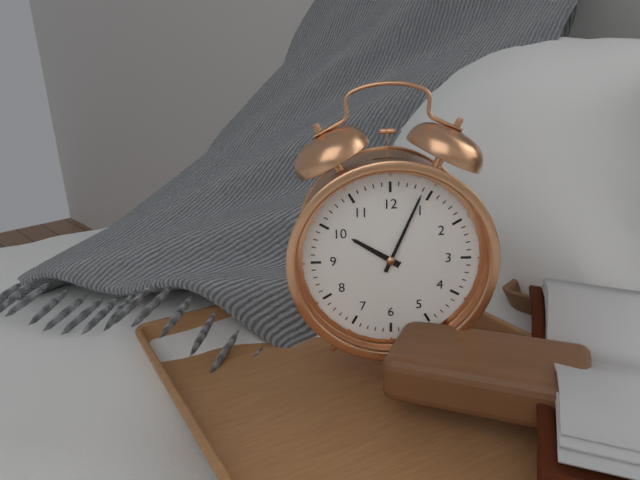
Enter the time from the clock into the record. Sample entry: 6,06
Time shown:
10,04
